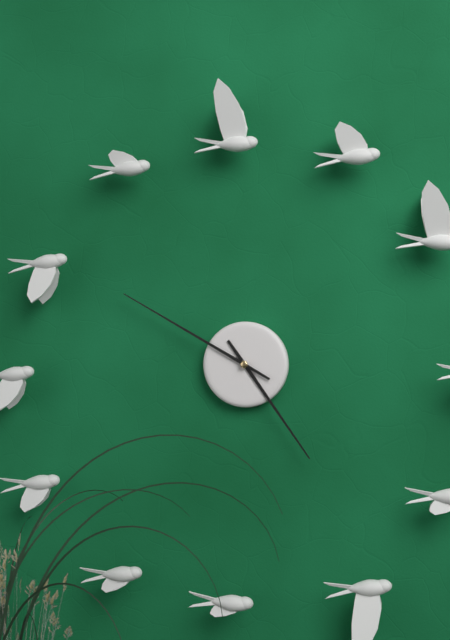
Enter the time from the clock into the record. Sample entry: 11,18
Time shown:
4,50
